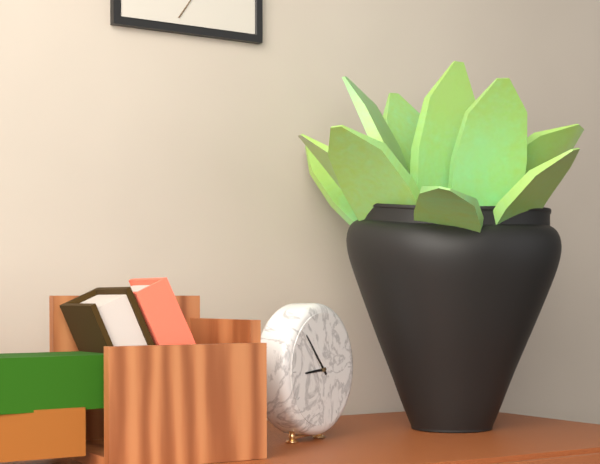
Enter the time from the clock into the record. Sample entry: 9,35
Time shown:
8,53
